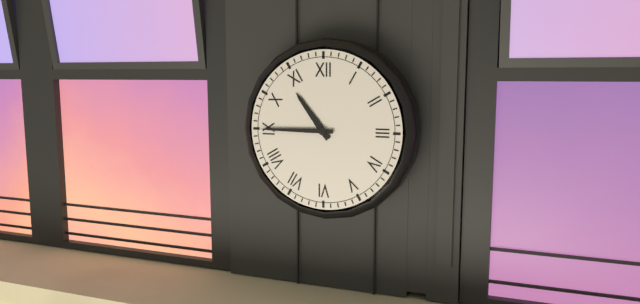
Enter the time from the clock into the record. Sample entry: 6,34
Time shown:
10,45
